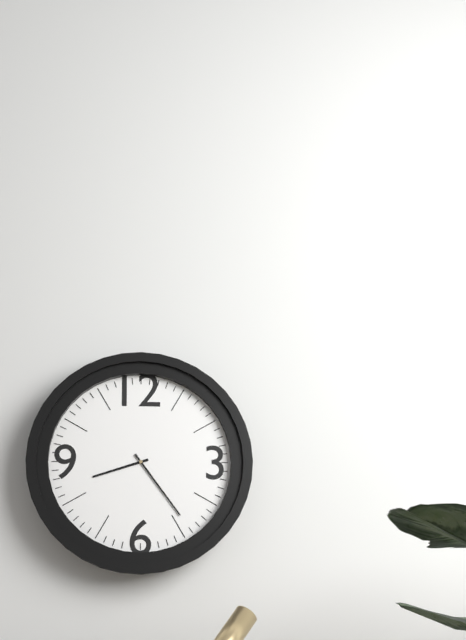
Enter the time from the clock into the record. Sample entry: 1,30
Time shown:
8,24
